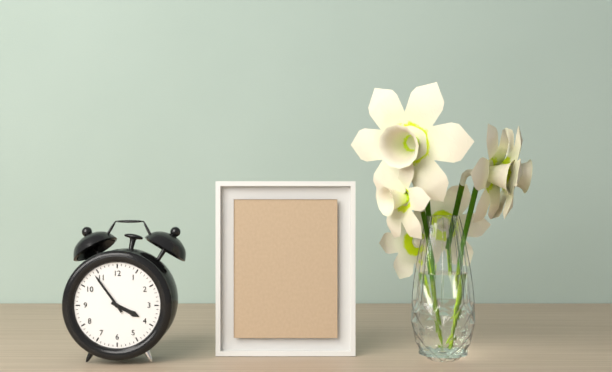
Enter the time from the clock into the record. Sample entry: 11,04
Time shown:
3,54
